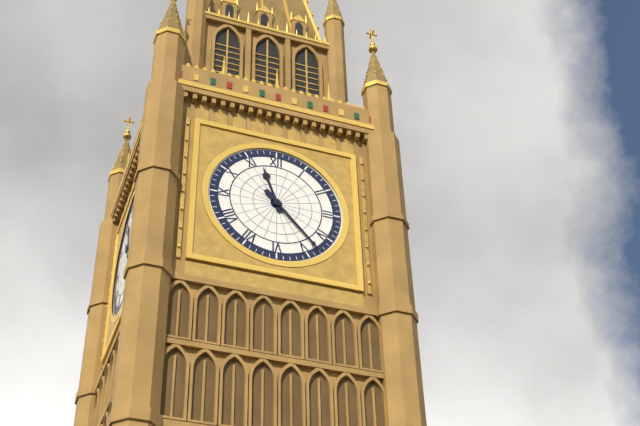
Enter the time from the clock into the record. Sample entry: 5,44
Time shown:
11,23
